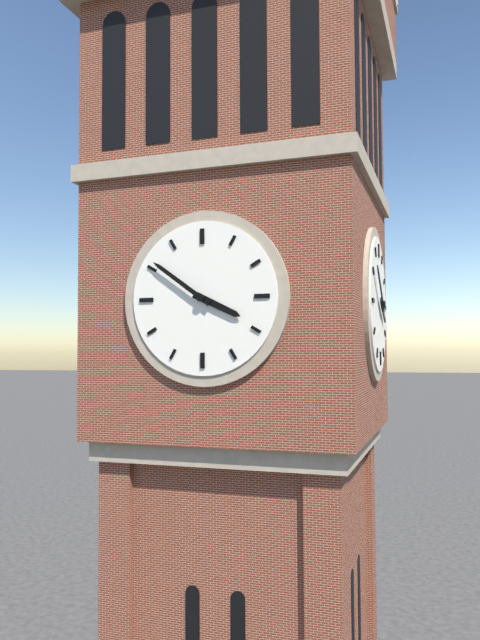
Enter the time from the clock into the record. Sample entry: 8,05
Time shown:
3,51
